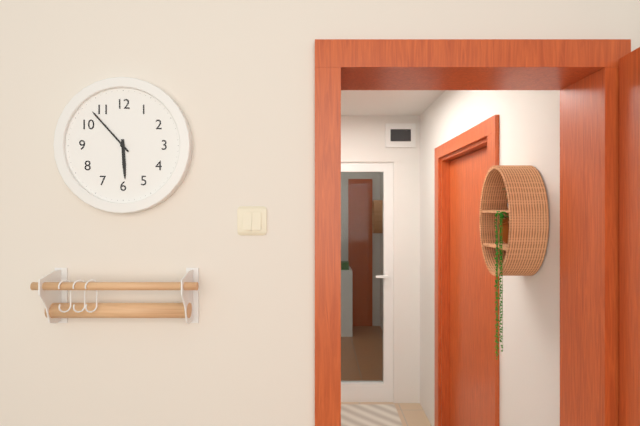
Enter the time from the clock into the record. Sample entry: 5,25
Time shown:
5,53
